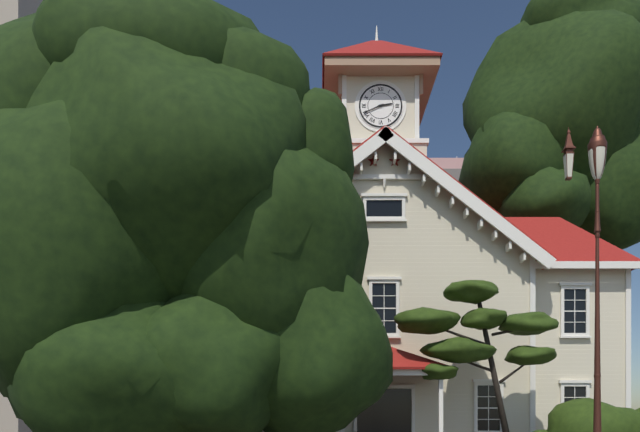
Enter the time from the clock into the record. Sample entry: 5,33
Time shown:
2,41
